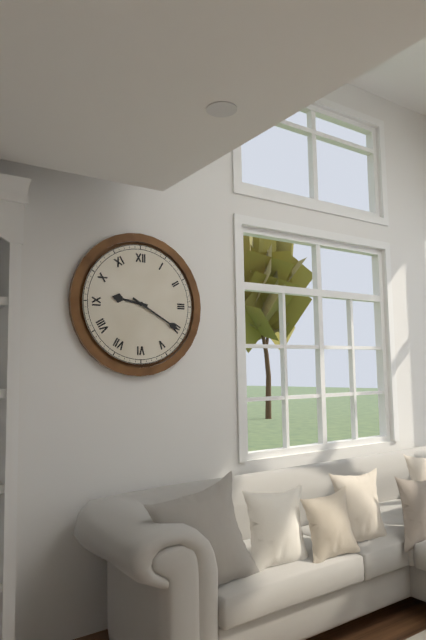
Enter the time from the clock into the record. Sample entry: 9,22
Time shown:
9,20
